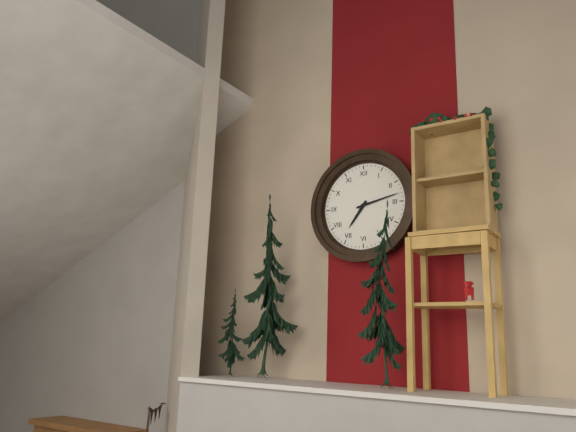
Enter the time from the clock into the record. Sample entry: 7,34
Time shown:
7,13
